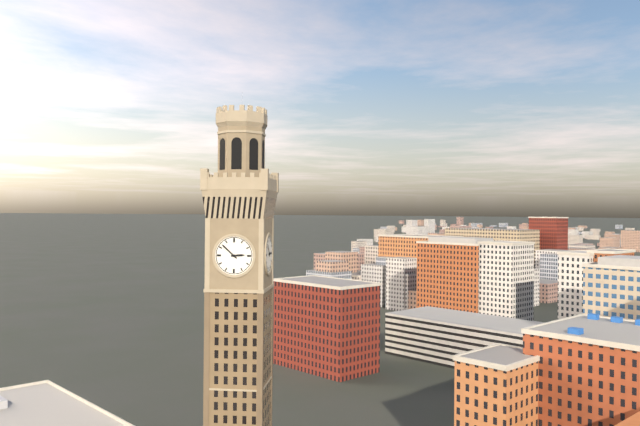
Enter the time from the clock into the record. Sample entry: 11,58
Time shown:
2,52
